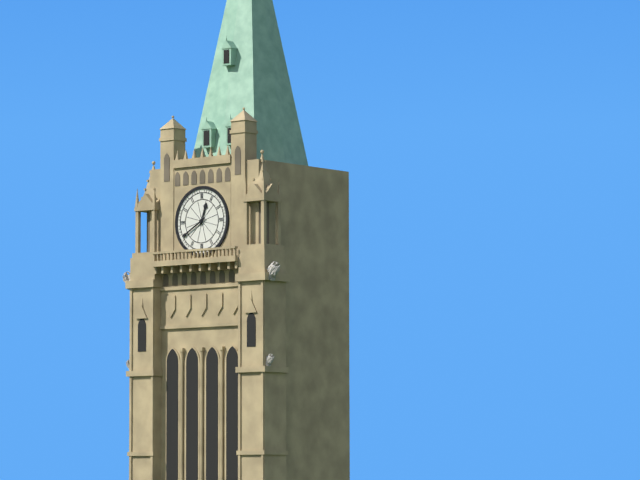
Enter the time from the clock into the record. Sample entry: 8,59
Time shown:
12,40
